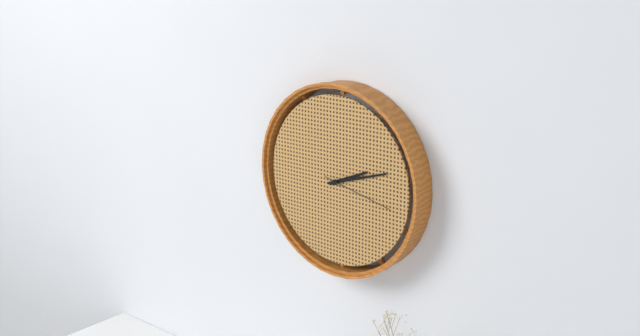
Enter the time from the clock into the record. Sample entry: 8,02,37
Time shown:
2,12,17
